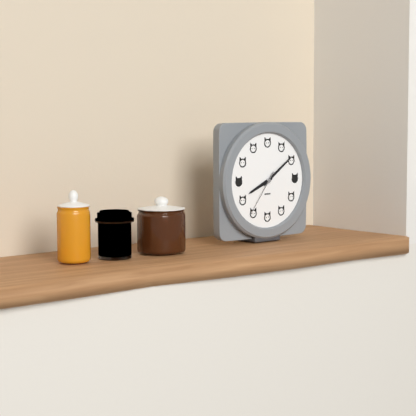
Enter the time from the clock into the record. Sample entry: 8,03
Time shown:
8,09
